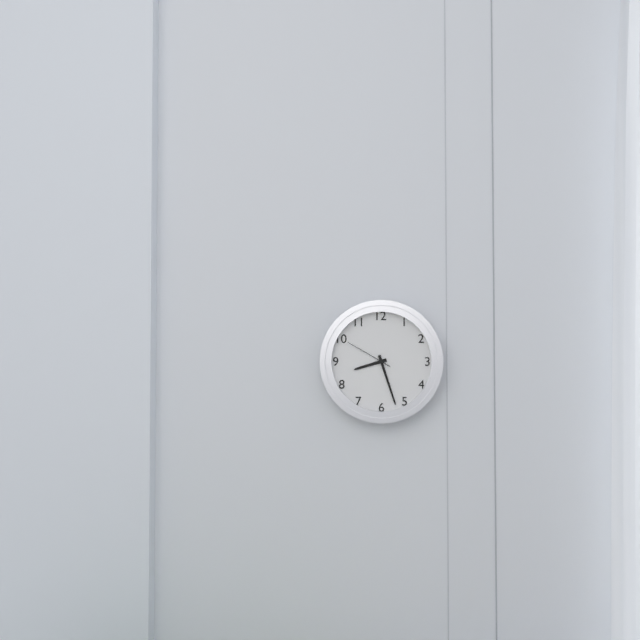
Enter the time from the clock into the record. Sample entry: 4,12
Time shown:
8,27
